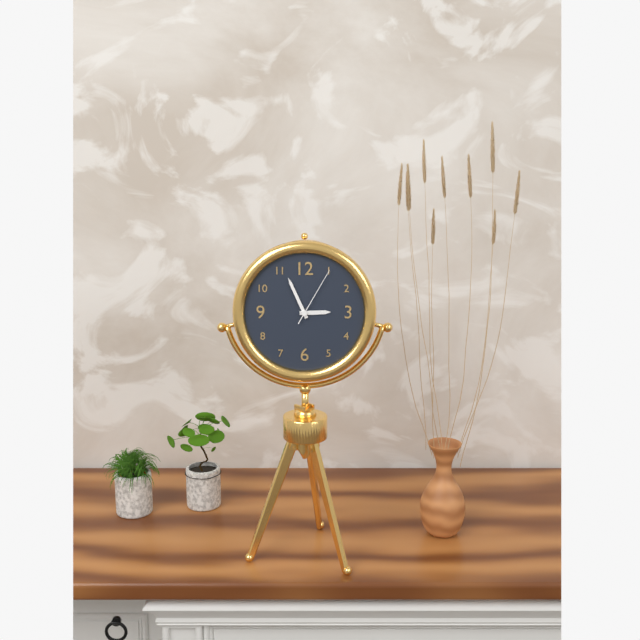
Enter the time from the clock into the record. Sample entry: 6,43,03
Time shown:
2,56,05
